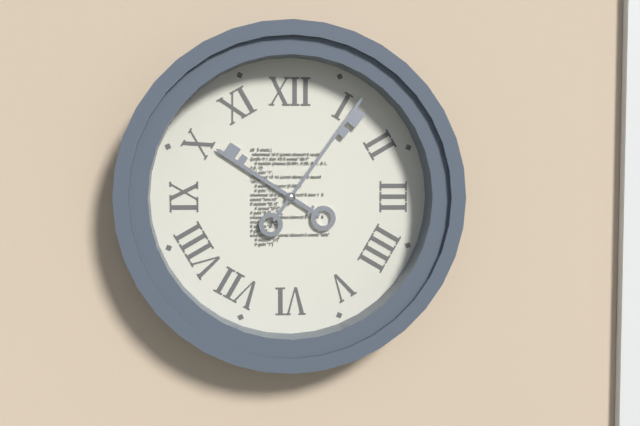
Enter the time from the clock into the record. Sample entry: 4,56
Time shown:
10,06
